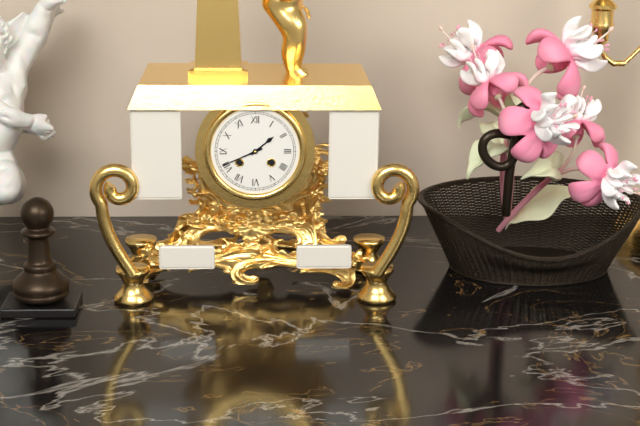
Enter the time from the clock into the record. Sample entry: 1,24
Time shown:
1,41
